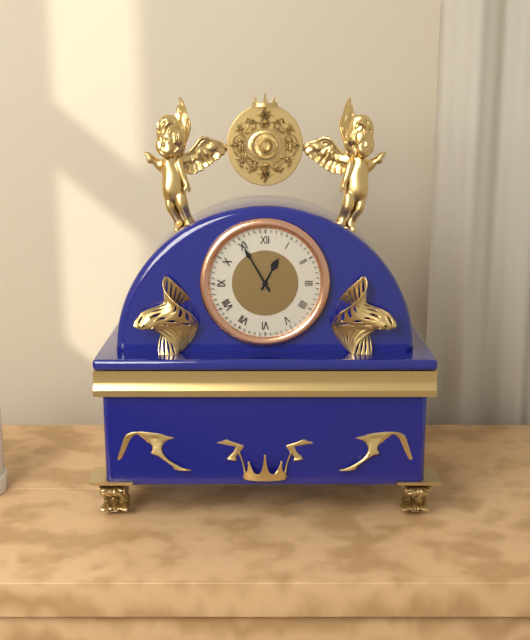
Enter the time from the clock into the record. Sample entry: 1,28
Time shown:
12,55
